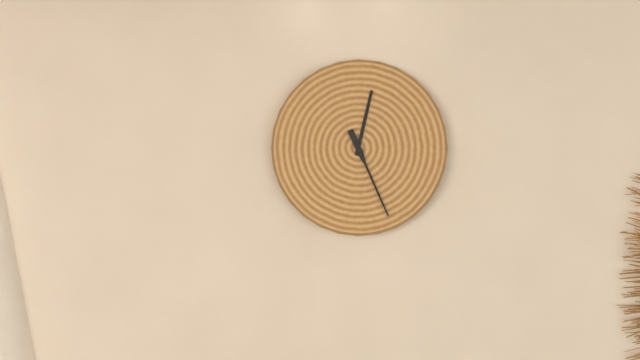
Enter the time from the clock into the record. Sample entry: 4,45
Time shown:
12,26
